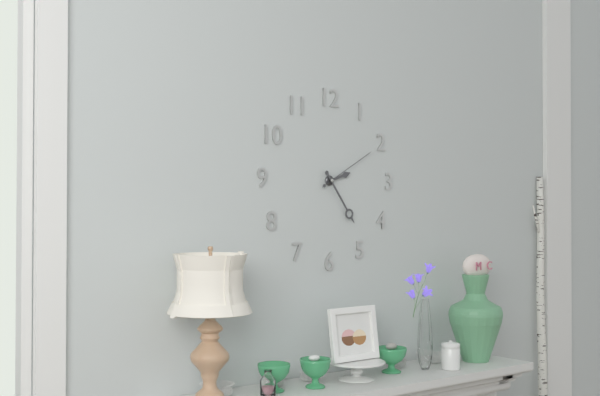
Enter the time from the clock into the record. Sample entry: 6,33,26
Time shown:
2,24,10
